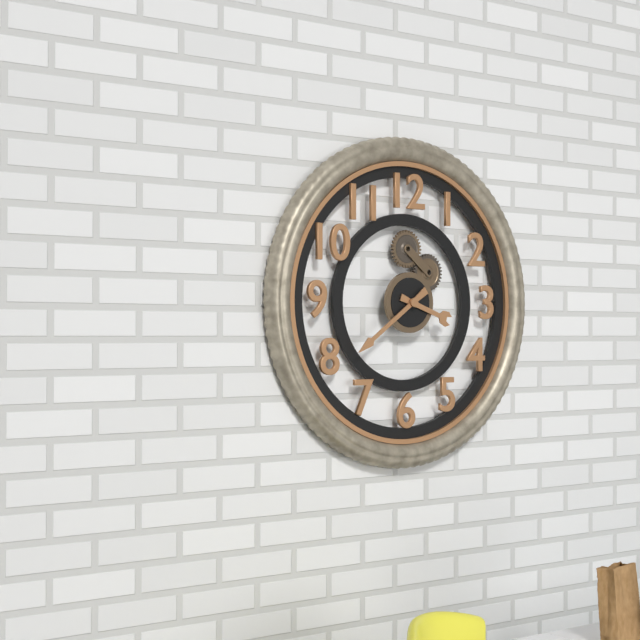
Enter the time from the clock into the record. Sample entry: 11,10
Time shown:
3,39
